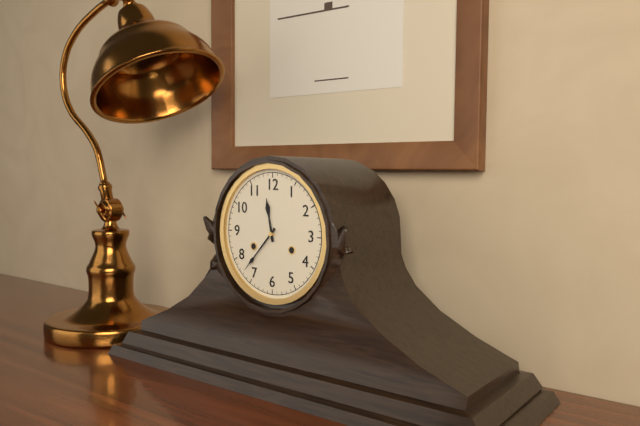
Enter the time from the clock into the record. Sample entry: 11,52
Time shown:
11,37
